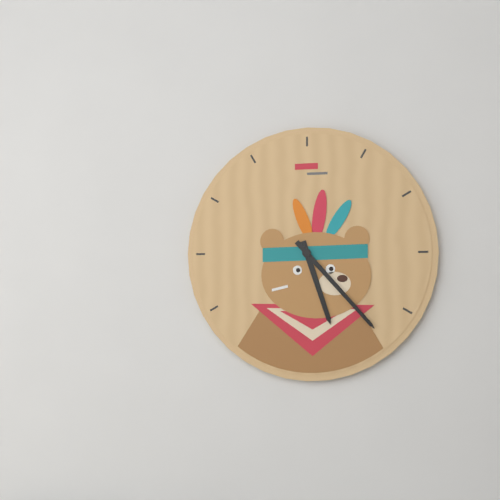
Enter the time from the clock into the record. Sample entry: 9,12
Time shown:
5,23
